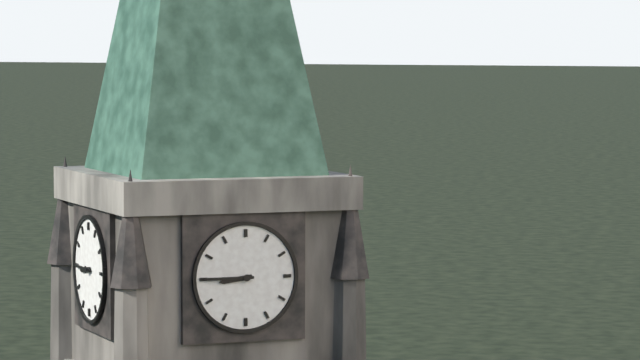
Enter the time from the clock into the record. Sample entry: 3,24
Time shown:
8,45
